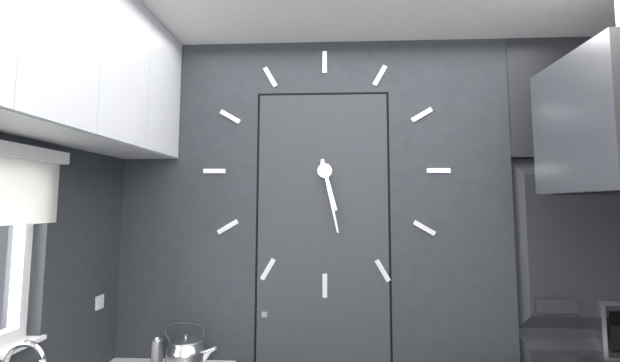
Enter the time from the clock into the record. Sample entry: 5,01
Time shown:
5,28
